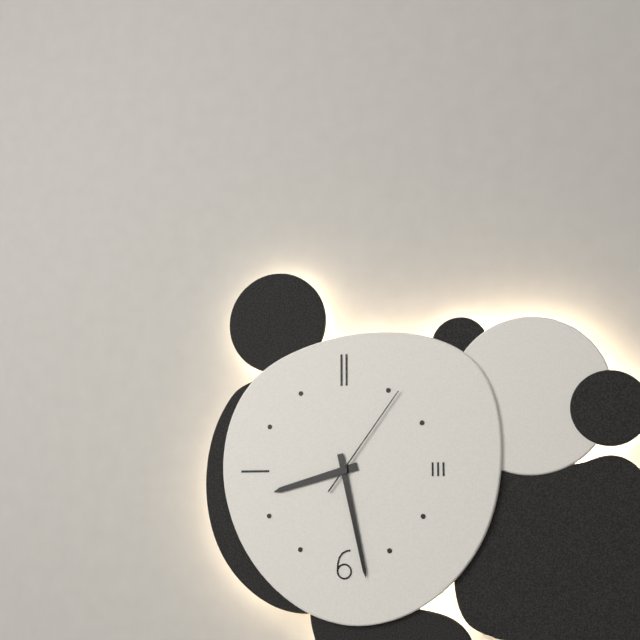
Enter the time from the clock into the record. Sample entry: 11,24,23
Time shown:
8,28,06
